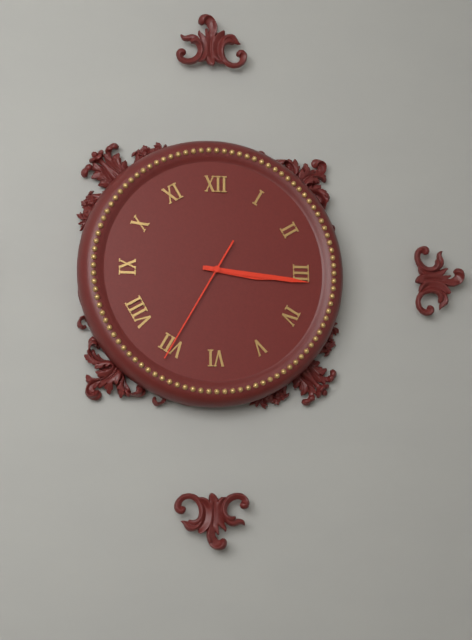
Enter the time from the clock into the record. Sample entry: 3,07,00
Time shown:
3,16,35
